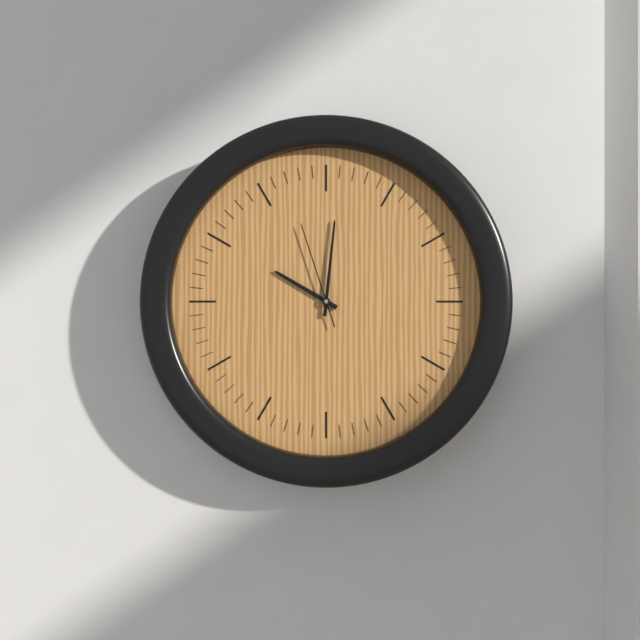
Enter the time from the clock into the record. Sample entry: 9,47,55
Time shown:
10,01,57
